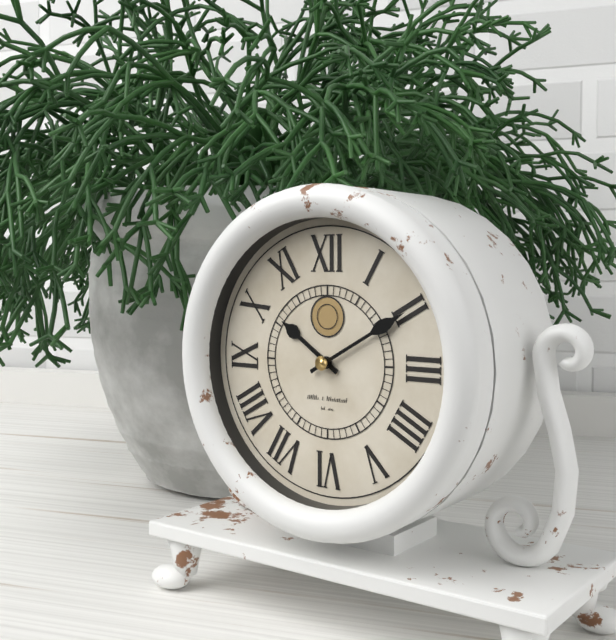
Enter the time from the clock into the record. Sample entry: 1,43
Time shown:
10,10
